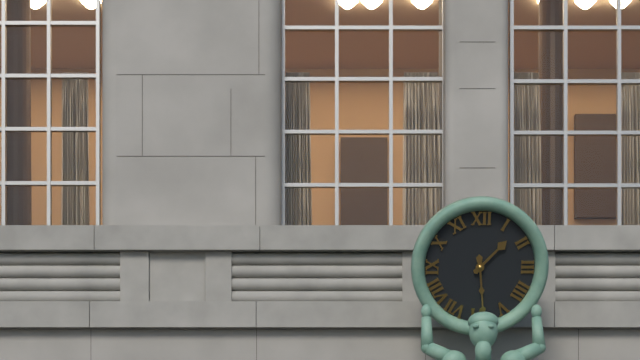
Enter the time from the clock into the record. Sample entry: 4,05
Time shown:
1,29
